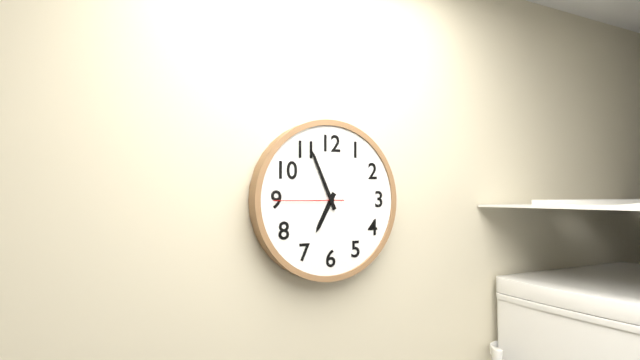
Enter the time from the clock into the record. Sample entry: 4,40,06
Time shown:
6,56,45
